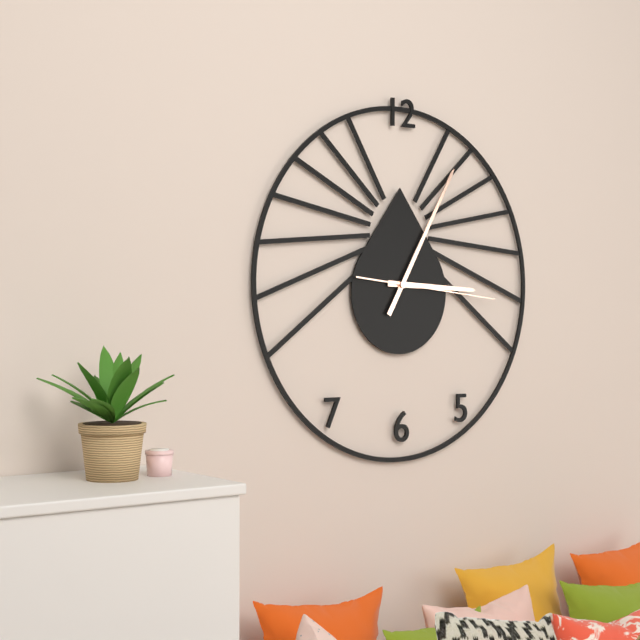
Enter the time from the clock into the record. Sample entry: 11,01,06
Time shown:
3,05,16
